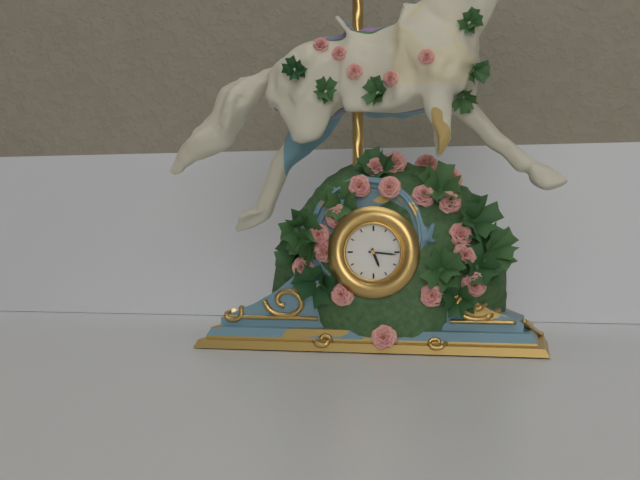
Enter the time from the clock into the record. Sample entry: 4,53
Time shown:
5,16
